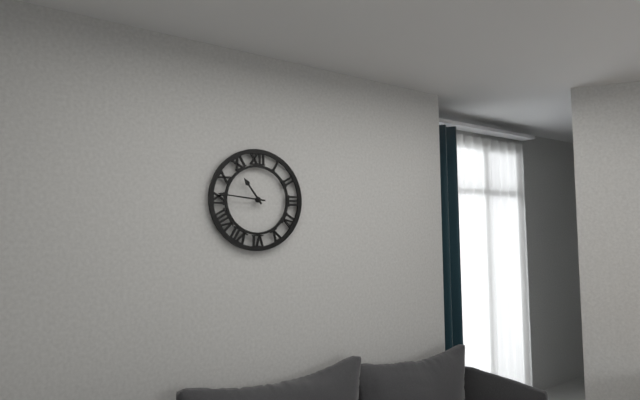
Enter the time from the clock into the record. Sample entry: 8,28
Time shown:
10,46
